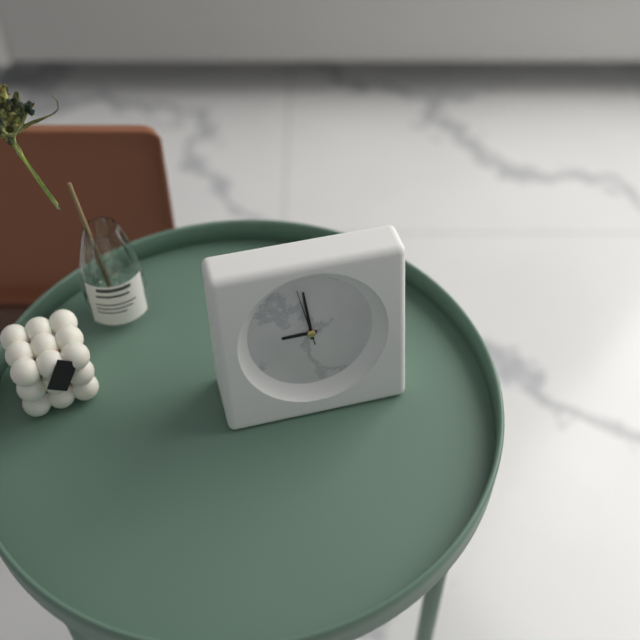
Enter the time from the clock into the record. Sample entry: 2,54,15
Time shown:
8,59,58
